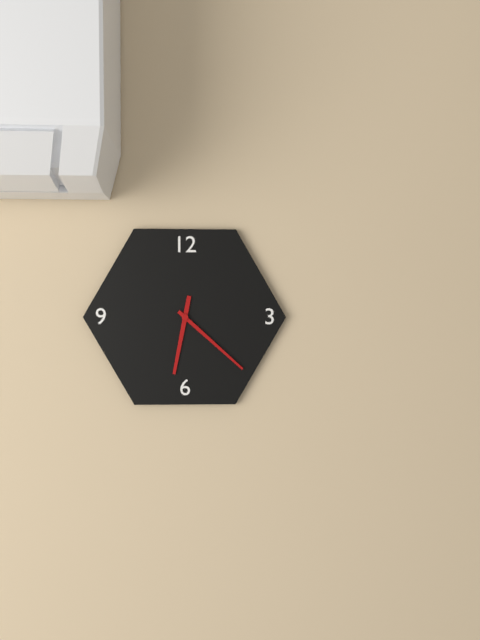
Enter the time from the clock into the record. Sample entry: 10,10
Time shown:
6,22
